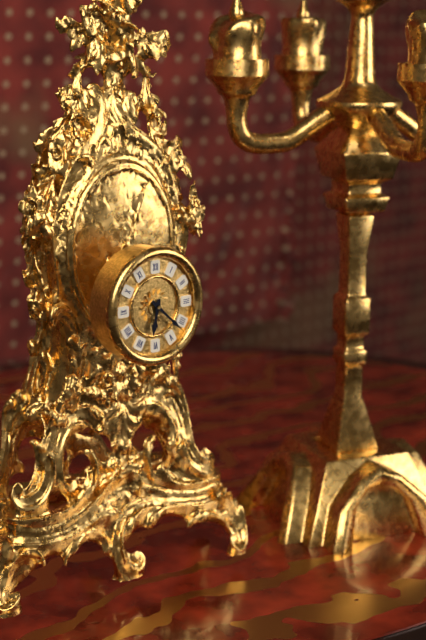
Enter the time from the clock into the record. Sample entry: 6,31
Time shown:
6,22
